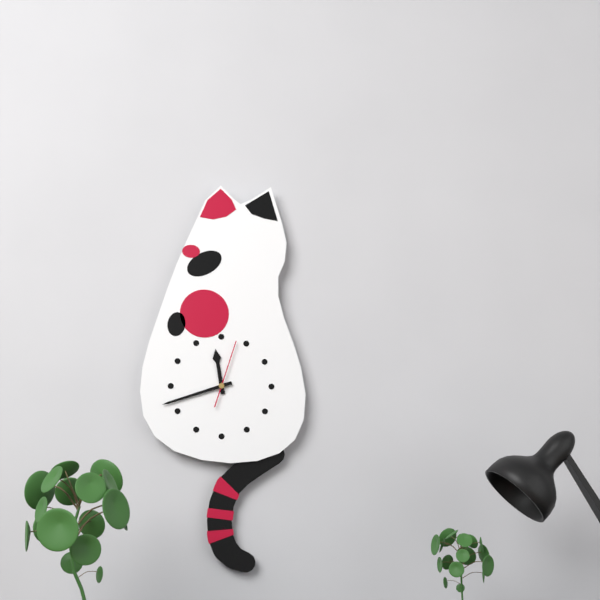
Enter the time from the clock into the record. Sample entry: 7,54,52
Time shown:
11,42,03
